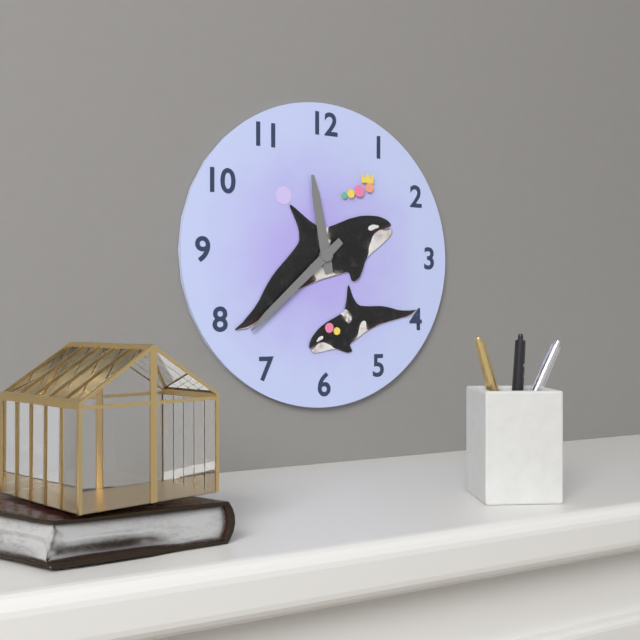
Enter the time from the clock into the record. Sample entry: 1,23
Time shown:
11,38
